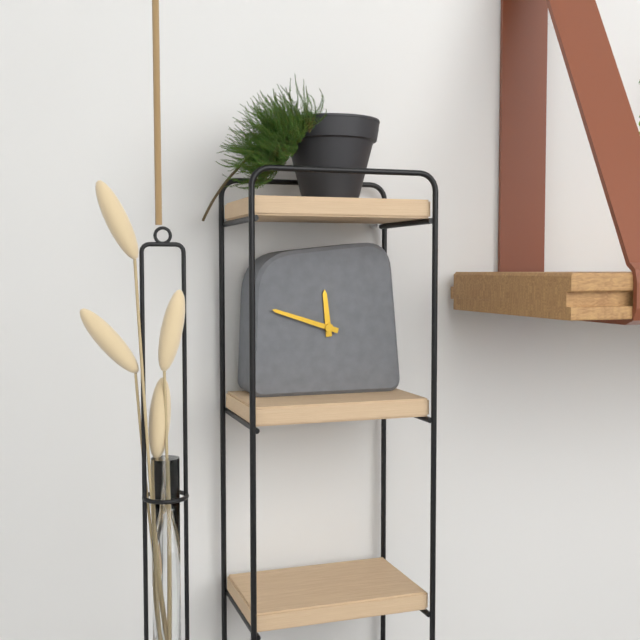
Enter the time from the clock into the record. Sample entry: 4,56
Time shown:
11,48
